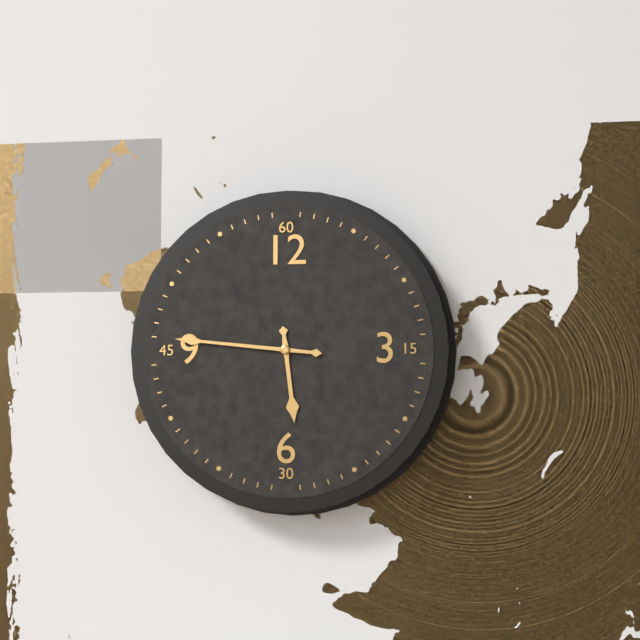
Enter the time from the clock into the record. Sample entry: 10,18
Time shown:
5,46
